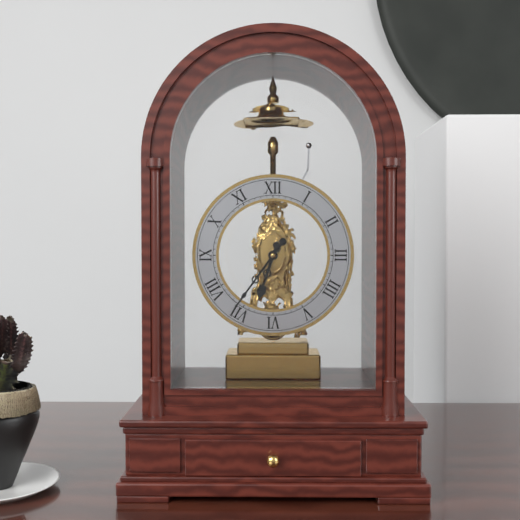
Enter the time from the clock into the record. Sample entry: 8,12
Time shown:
6,36
